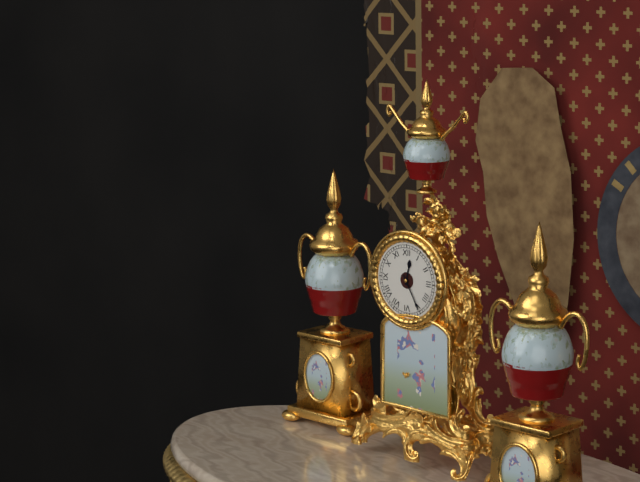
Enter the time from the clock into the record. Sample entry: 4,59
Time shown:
12,25
